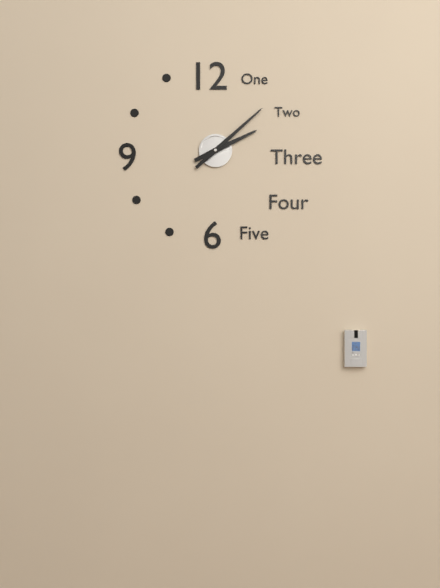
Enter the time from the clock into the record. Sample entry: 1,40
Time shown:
2,08
